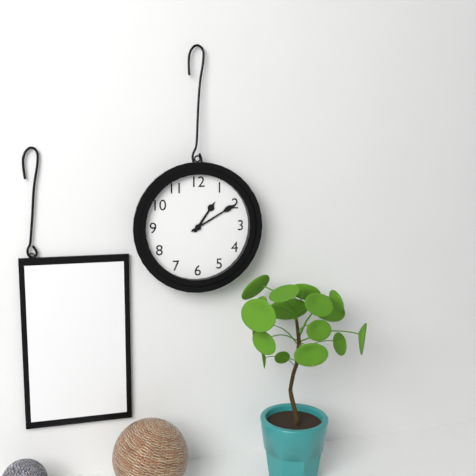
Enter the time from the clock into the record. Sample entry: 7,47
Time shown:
1,10
